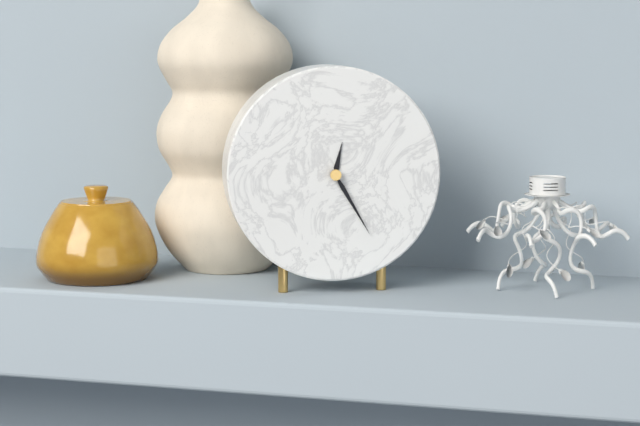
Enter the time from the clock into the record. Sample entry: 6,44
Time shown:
12,25
